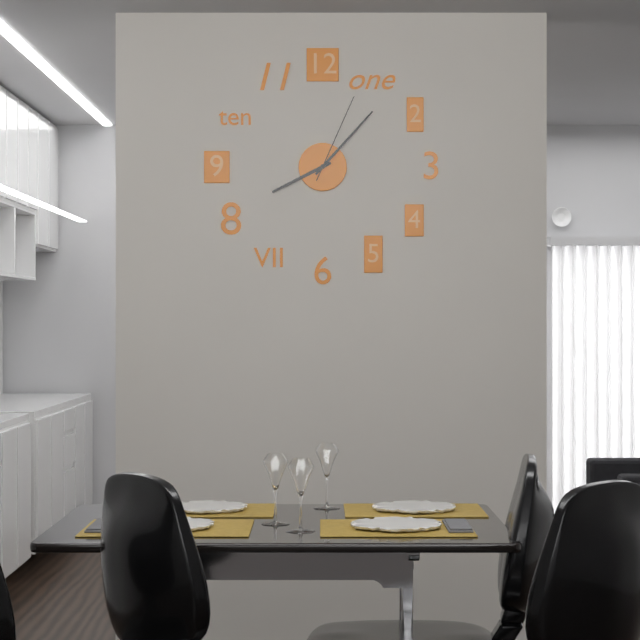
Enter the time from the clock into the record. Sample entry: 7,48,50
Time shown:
8,07,04
